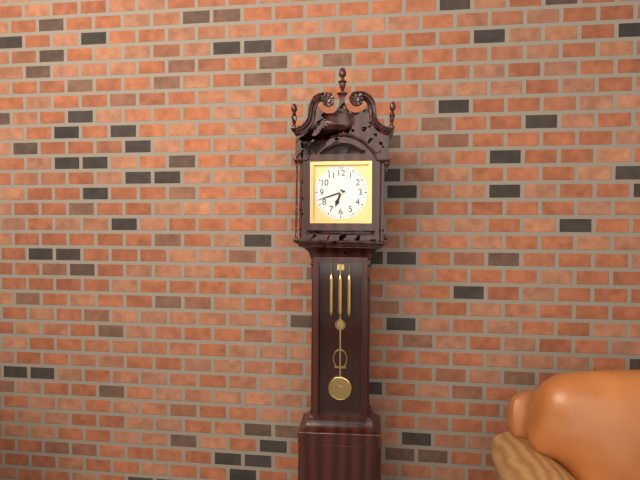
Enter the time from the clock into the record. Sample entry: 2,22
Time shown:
6,42
